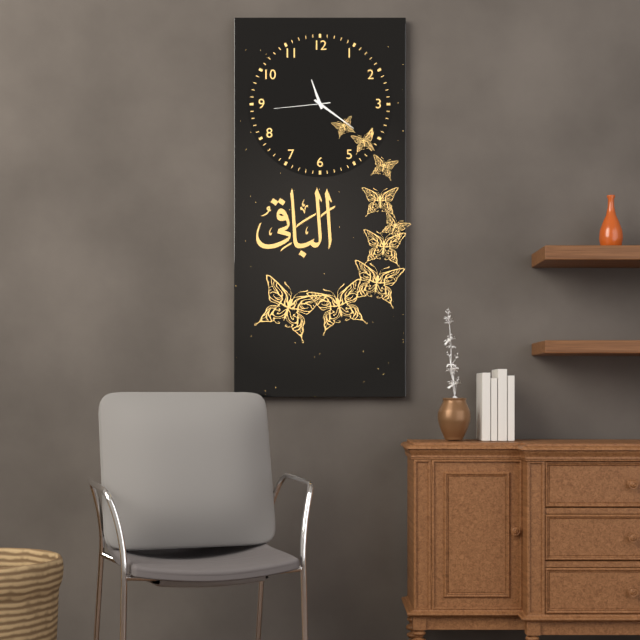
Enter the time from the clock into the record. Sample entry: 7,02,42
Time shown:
11,21,44
